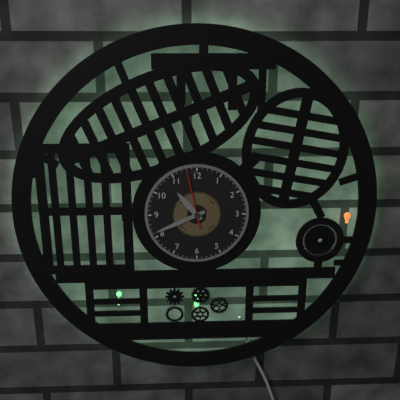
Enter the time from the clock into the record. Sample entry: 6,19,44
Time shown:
10,41,58
